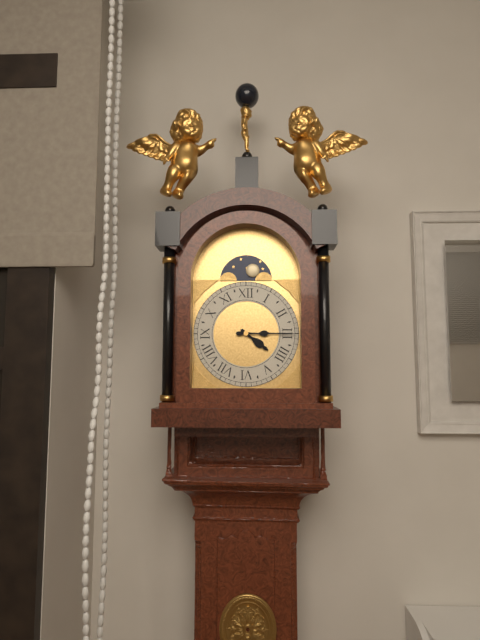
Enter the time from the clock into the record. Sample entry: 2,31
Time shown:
4,15
